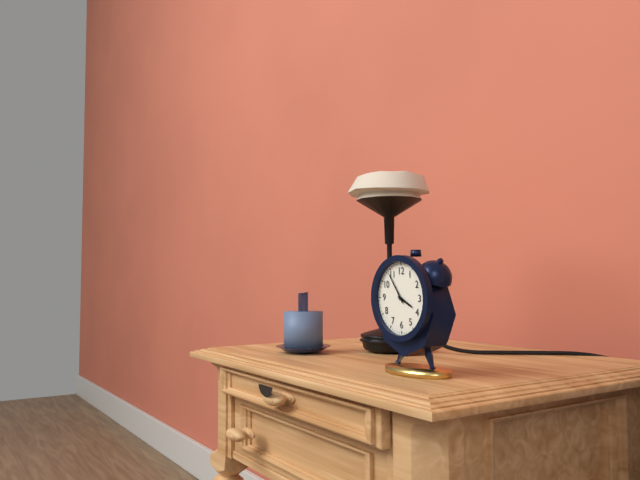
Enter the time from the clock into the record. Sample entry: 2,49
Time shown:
3,54
